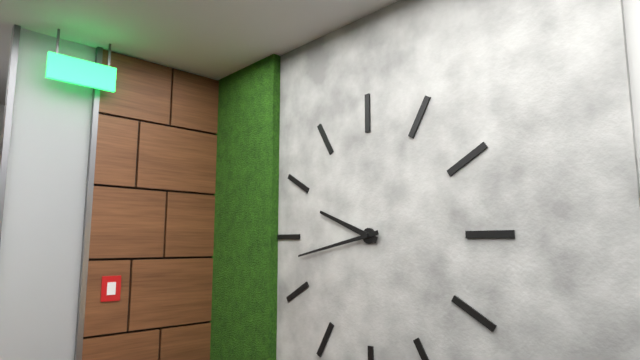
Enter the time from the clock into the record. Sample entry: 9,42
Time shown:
9,43
